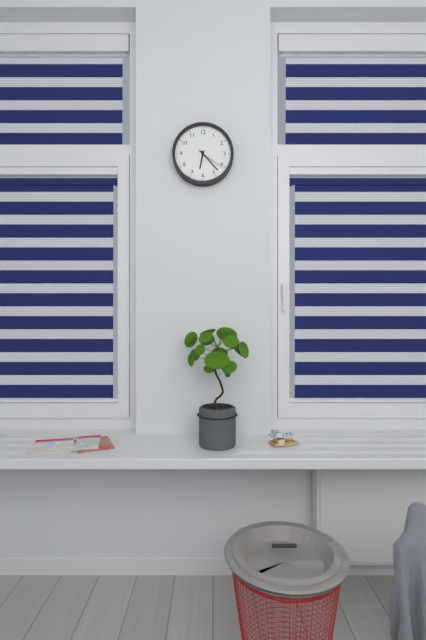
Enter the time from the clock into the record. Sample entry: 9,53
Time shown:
6,23
